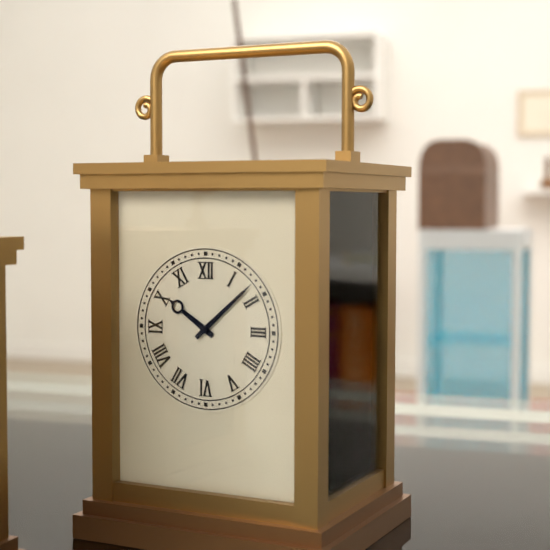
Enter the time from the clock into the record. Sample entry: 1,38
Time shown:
10,08
